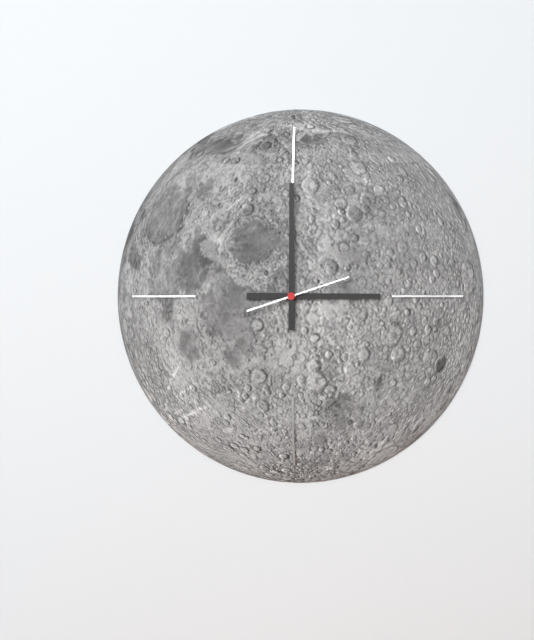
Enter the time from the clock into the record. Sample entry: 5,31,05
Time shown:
3,00,12
